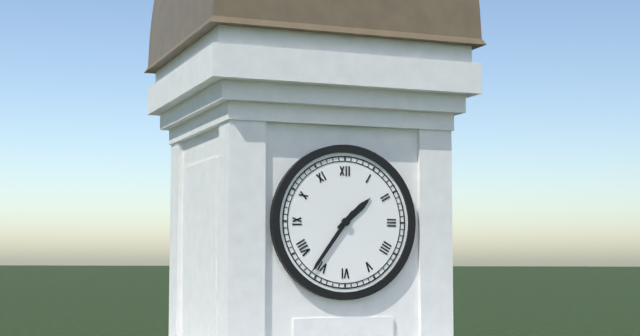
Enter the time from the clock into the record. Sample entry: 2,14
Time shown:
1,36
